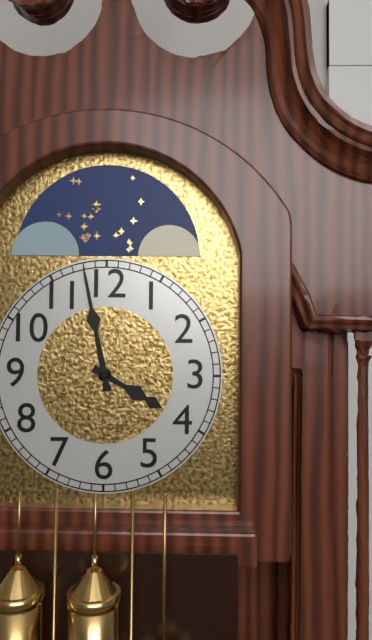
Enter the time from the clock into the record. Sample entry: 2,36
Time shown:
3,58
